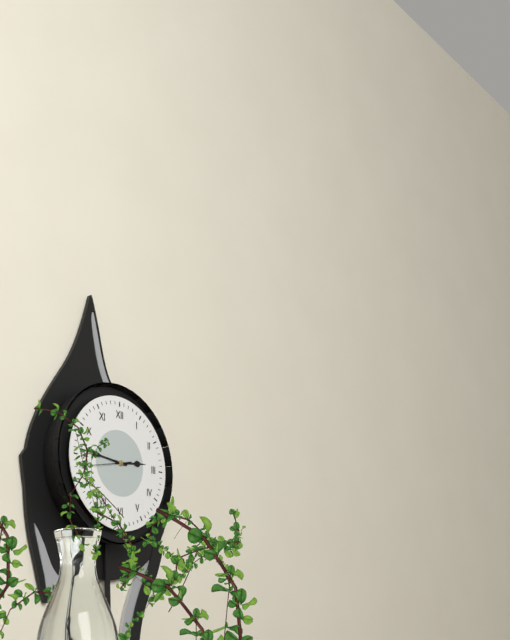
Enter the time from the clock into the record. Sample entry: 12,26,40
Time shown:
2,46,43
